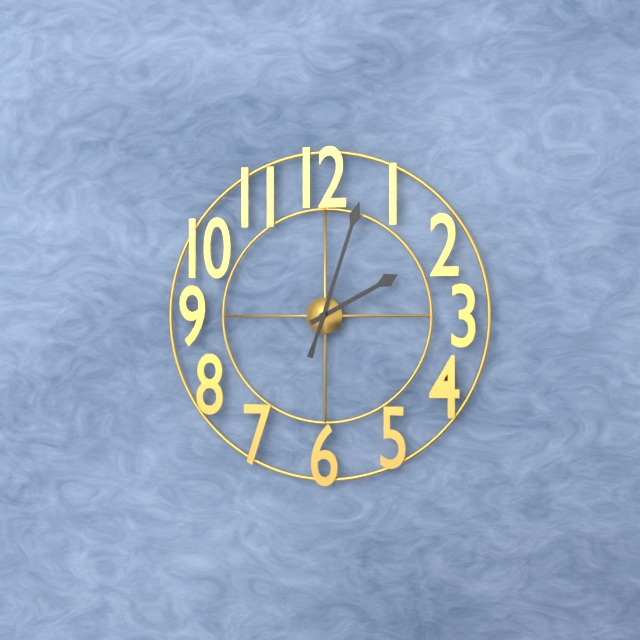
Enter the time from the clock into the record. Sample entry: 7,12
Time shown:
2,03
